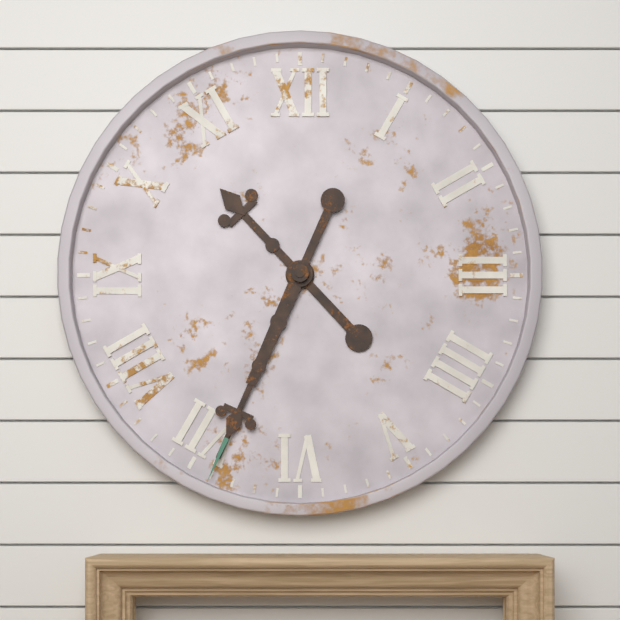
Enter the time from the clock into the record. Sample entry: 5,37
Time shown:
10,34
